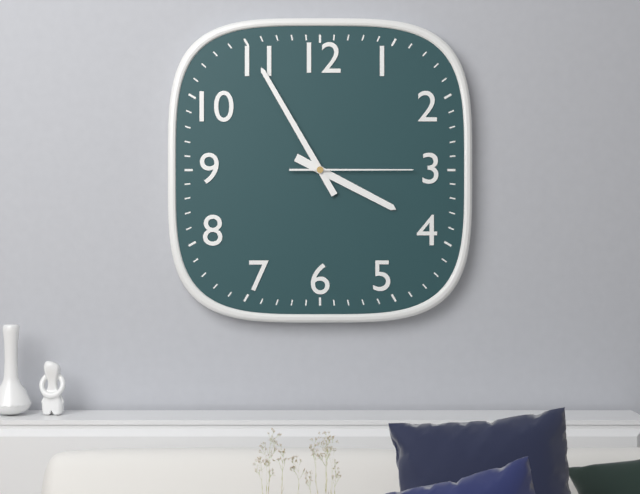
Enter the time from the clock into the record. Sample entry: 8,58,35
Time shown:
3,55,15
